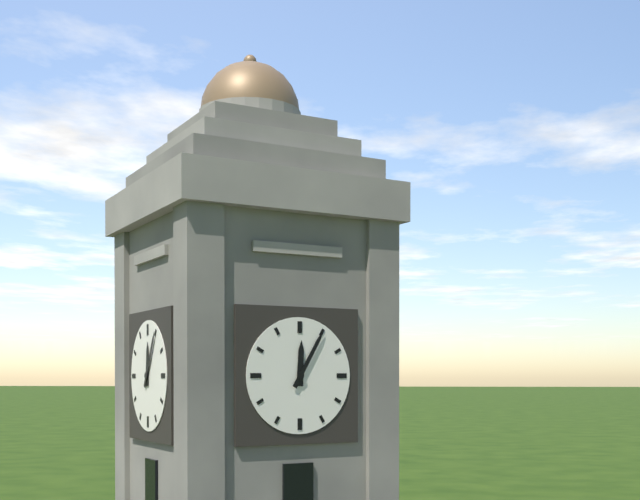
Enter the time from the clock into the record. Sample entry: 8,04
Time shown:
12,05
